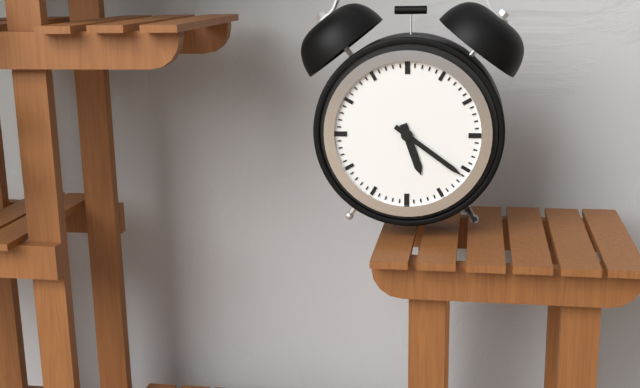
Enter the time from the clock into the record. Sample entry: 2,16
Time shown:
5,21
